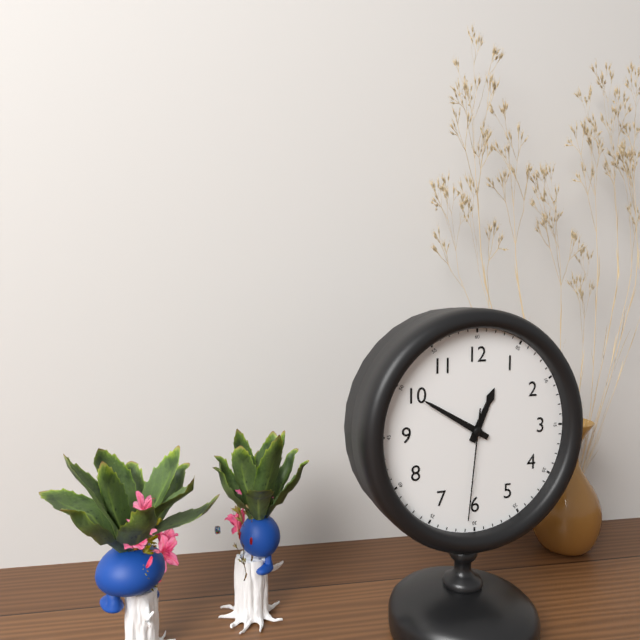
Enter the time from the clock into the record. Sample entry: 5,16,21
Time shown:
12,50,31
